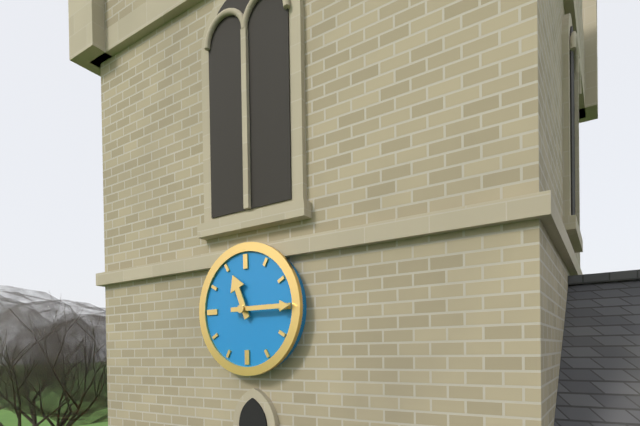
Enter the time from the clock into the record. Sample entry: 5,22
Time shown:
11,15
